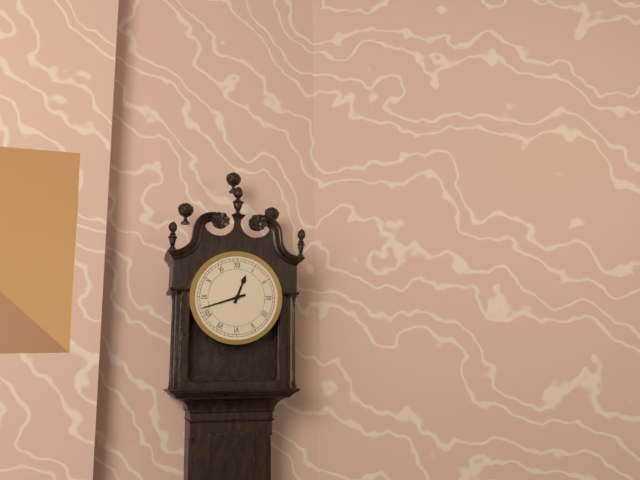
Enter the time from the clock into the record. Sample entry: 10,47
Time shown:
12,42
